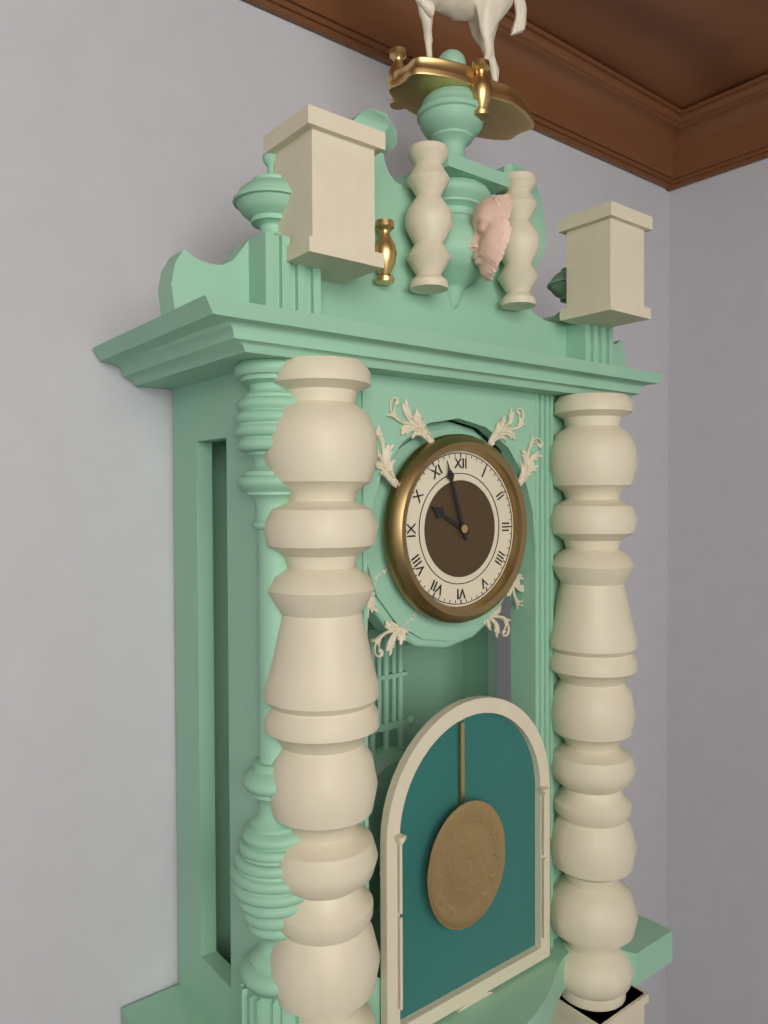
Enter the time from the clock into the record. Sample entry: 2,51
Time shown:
9,57
